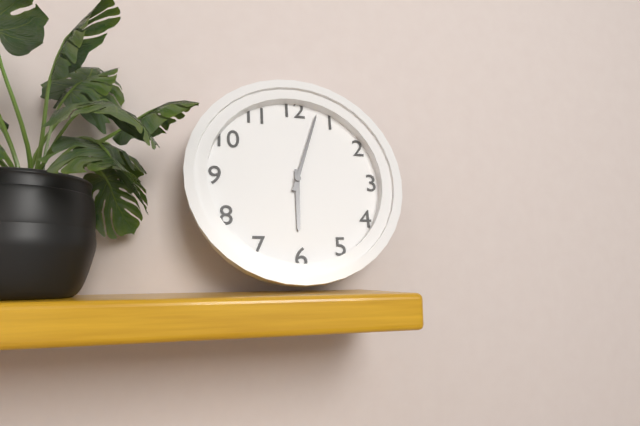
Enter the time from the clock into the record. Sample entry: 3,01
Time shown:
6,03
